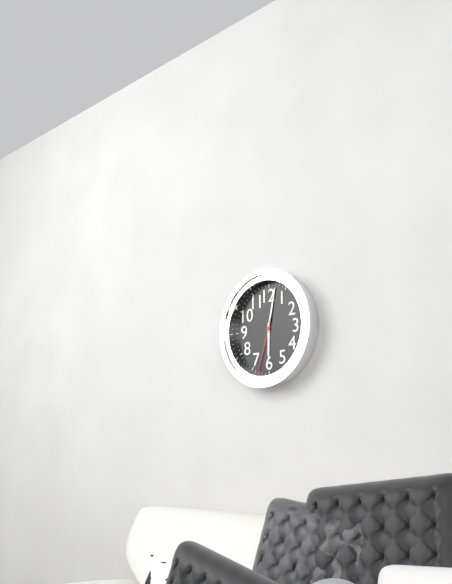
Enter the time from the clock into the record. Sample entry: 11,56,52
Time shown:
6,02,33
